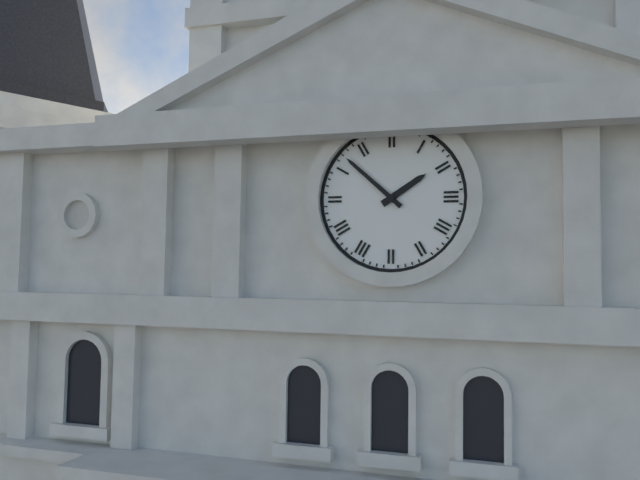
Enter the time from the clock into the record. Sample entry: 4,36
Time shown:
1,52
